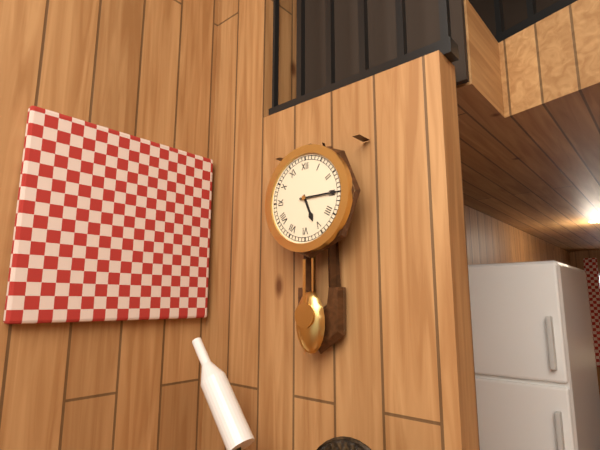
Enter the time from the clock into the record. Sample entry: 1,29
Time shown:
5,15
